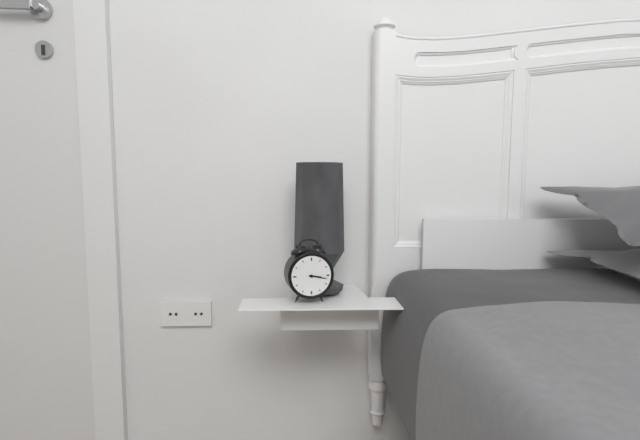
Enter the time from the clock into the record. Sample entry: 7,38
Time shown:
3,17
